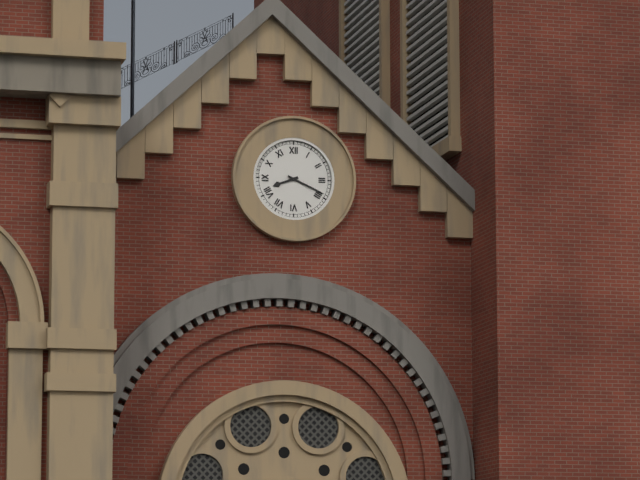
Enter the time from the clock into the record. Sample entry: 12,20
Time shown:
8,19
